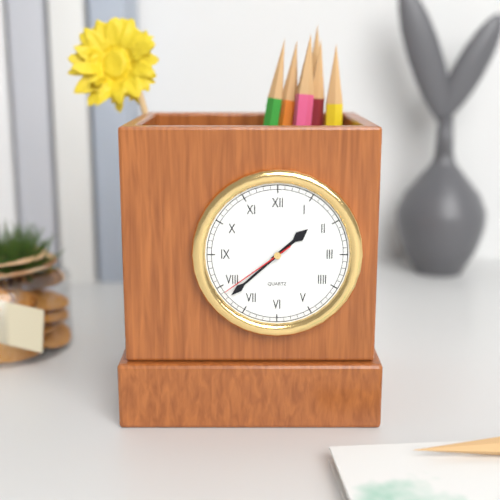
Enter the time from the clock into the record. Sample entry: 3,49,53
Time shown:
1,38,39
